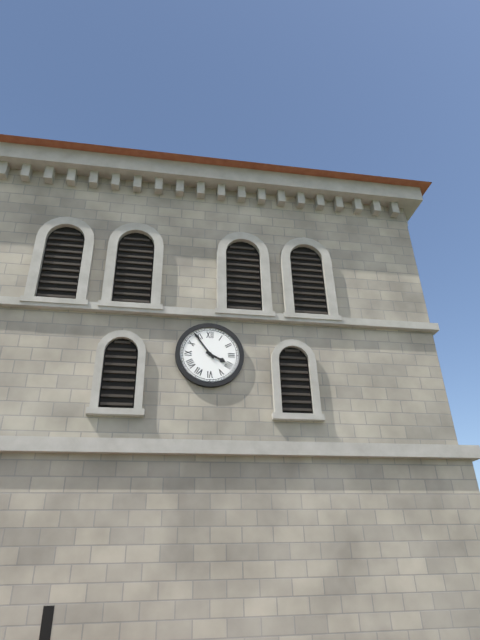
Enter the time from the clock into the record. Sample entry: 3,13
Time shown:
3,54
